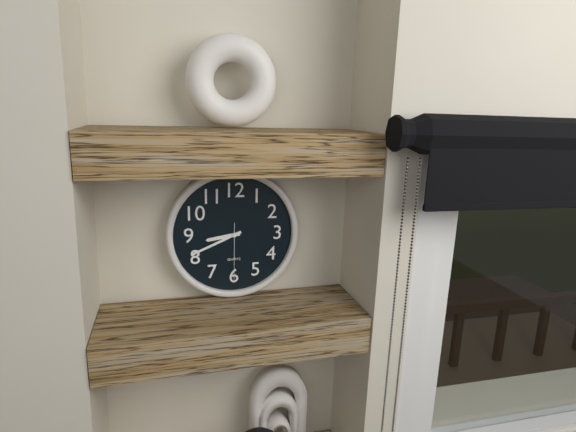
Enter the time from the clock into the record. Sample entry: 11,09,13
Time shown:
8,41,30
